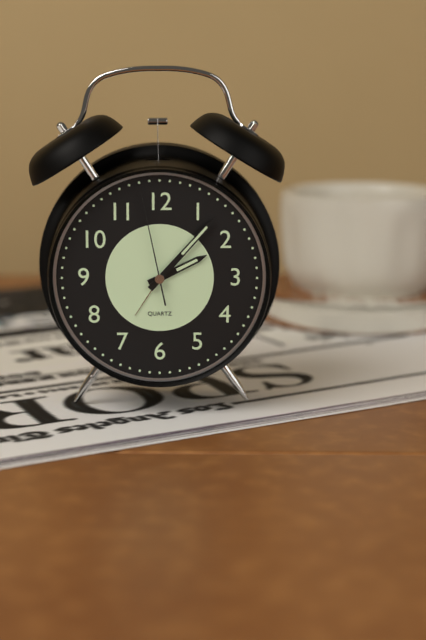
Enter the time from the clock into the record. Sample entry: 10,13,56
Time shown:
2,07,58
